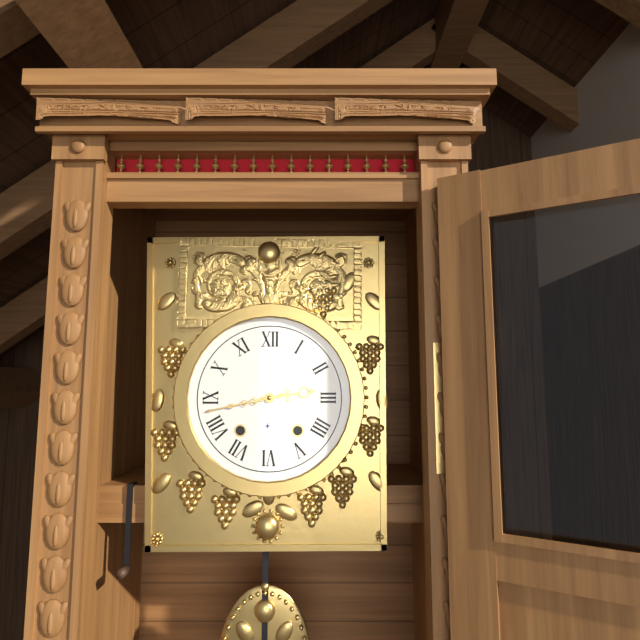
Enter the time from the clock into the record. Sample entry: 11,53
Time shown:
2,43
